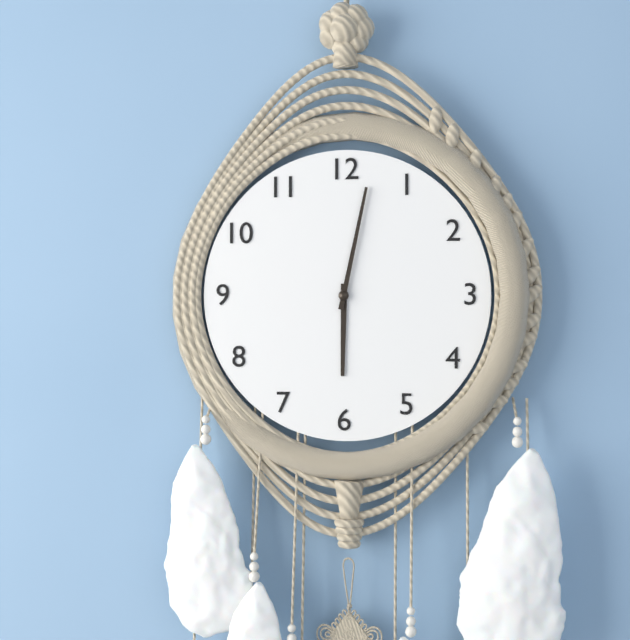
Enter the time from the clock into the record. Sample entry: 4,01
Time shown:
6,02
